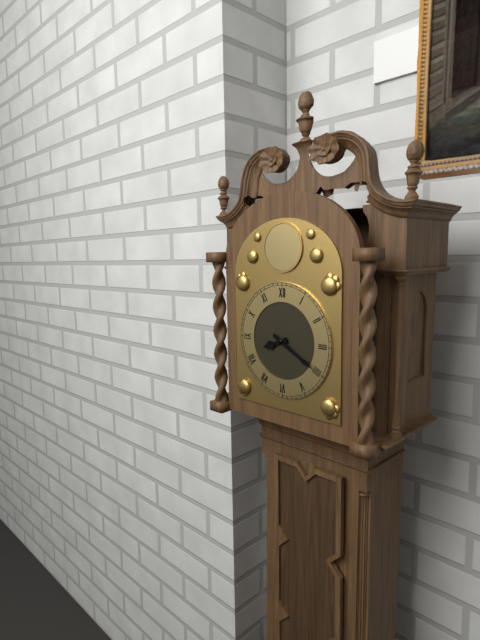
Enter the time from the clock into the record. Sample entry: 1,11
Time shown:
8,20
